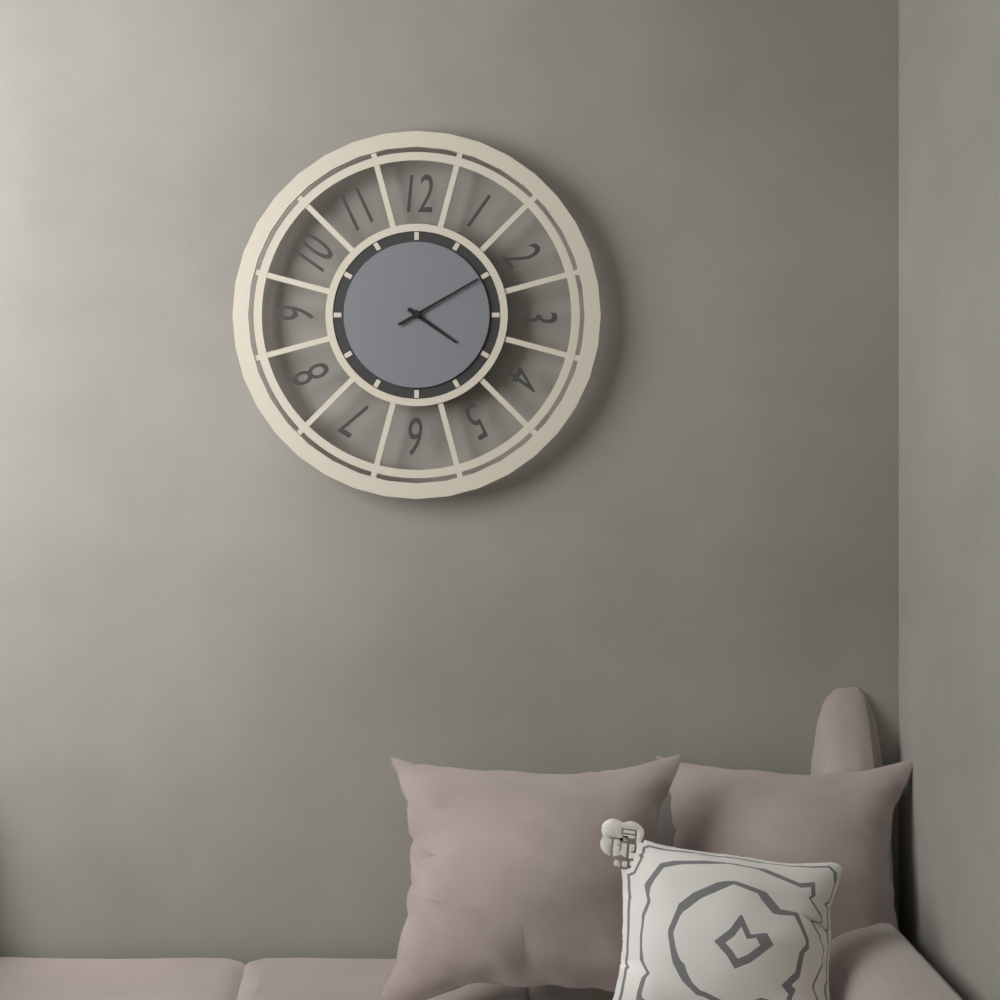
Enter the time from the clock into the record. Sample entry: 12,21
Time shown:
4,10
